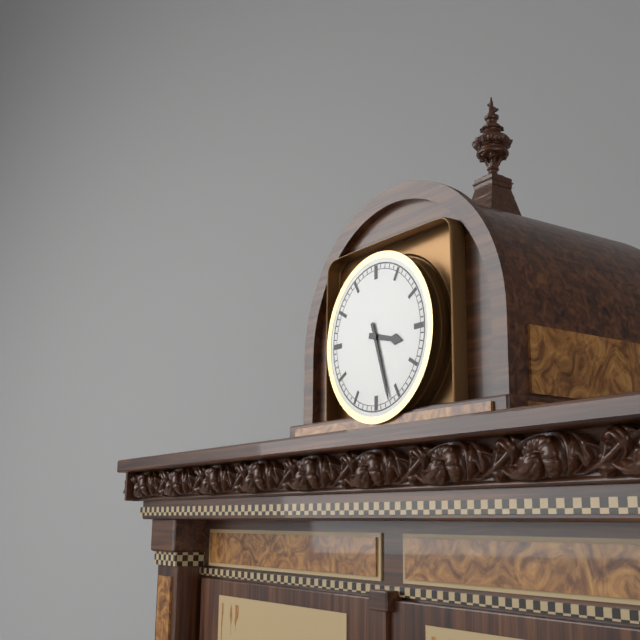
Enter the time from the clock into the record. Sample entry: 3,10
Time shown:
3,27
